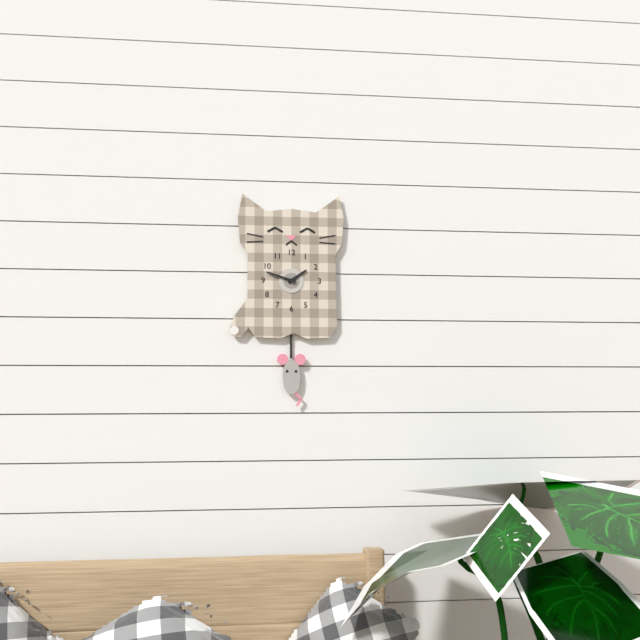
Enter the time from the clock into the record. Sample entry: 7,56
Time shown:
1,48
